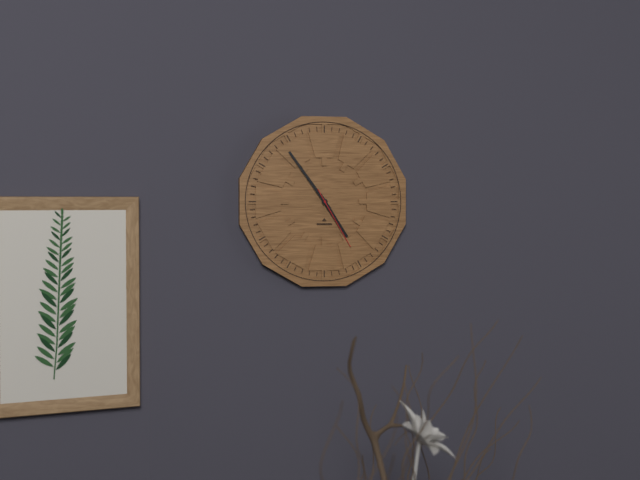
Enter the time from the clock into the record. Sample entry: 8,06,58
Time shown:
4,54,25
